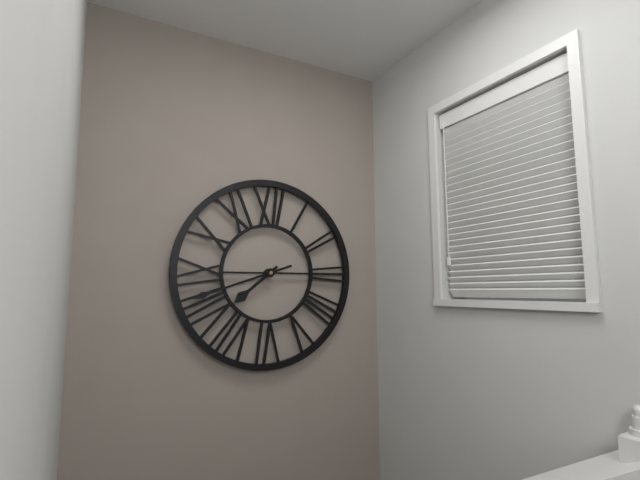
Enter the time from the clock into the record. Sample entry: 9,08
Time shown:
7,42
